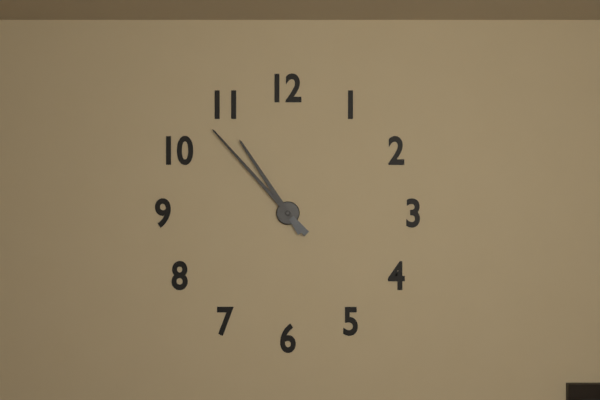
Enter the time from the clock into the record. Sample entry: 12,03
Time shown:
10,53
